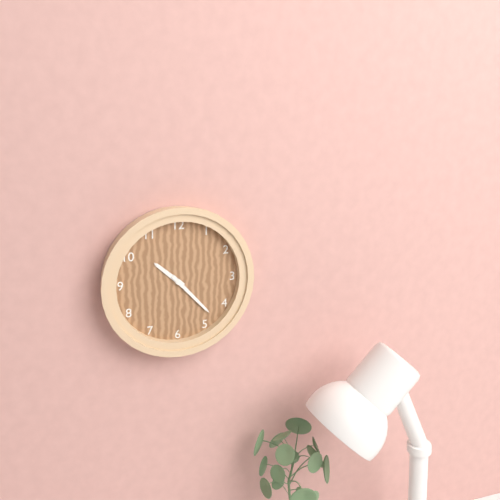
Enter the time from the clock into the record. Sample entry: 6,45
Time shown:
10,23
